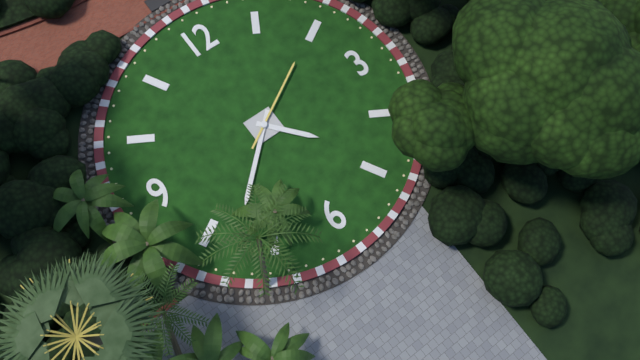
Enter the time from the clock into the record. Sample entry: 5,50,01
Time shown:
4,38,10
